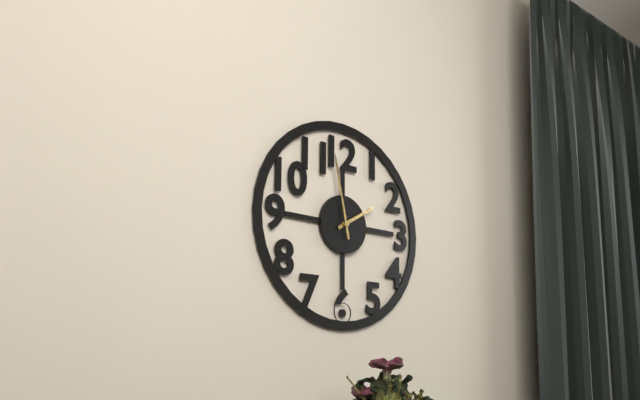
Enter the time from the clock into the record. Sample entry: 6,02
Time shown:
1,58
